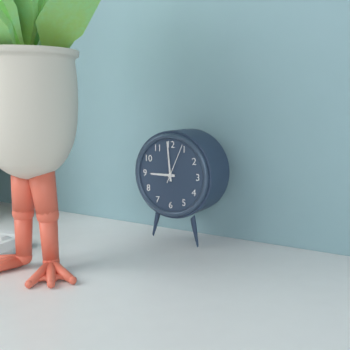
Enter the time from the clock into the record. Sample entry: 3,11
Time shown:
8,59
